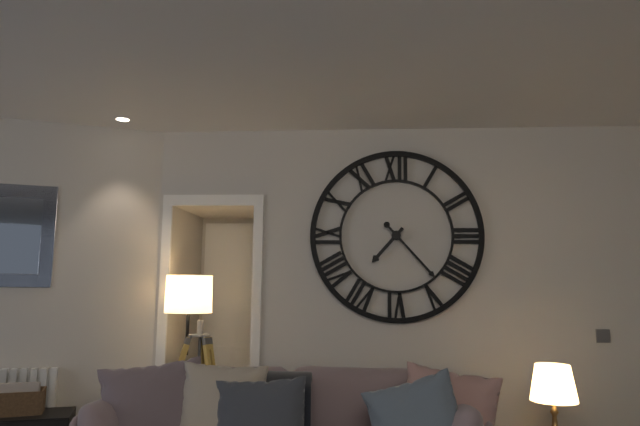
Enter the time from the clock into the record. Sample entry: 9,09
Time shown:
7,23
